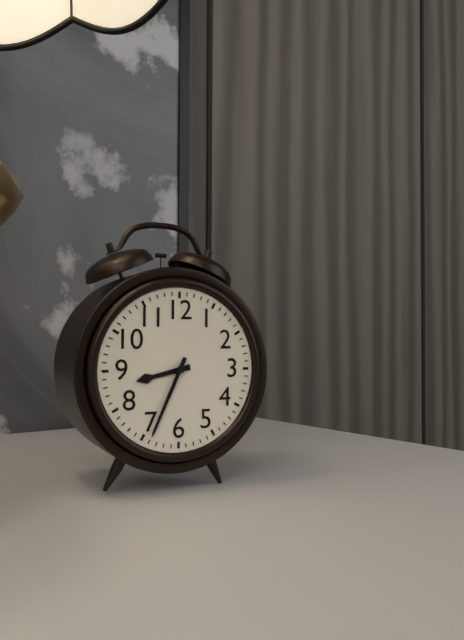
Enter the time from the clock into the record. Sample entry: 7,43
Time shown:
8,34
